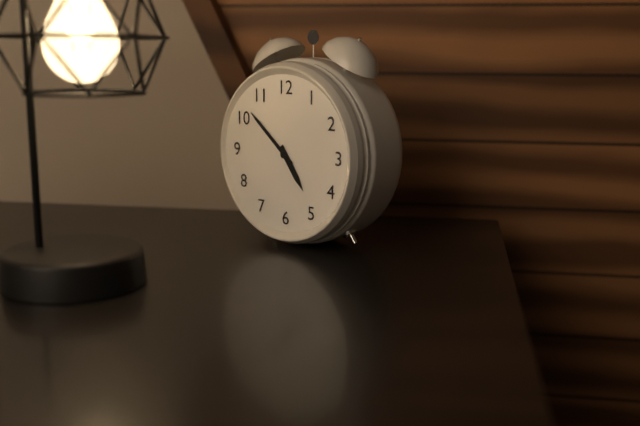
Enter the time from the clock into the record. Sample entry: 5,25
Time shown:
4,52
